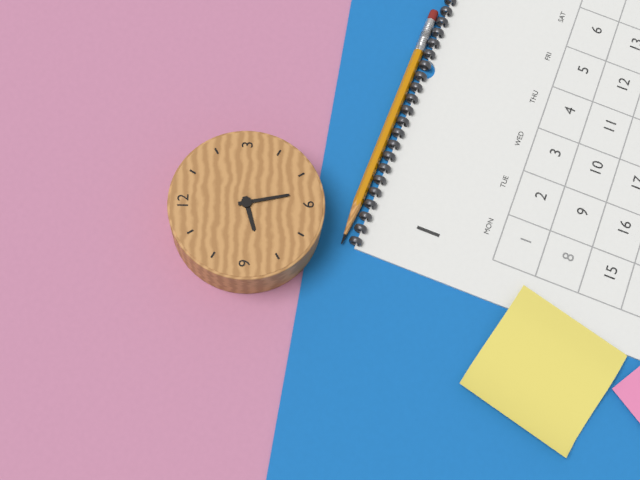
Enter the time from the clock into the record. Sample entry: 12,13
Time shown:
8,28
